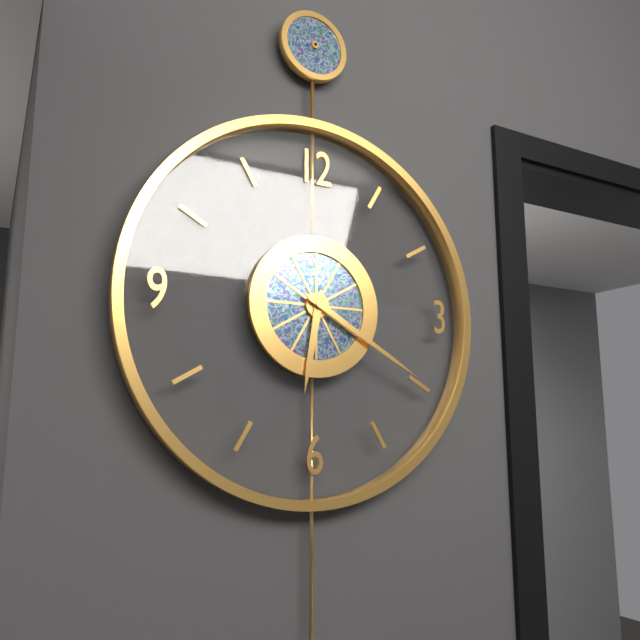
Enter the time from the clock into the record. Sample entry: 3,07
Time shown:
6,20
